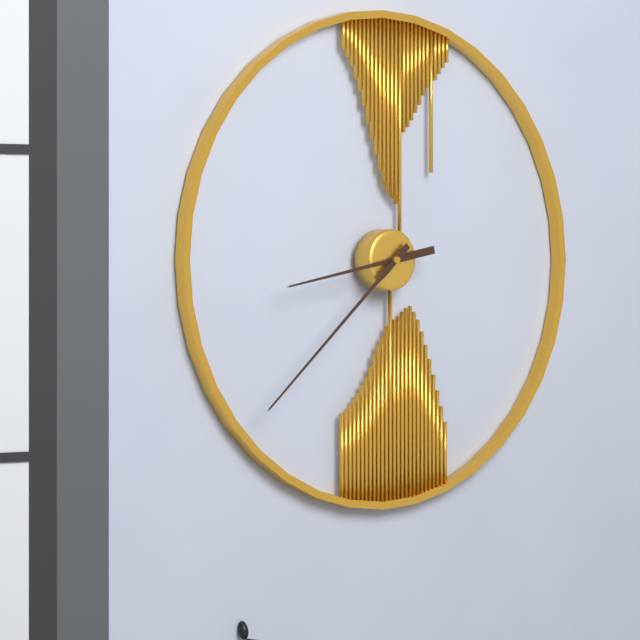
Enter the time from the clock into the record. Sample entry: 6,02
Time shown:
8,38
